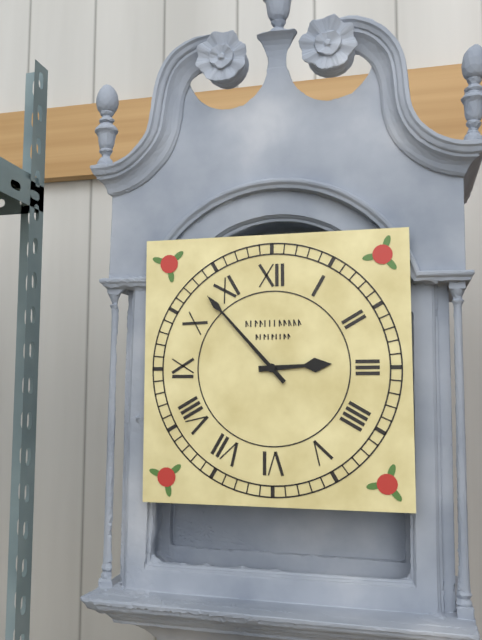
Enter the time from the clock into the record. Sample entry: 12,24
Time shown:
2,53
